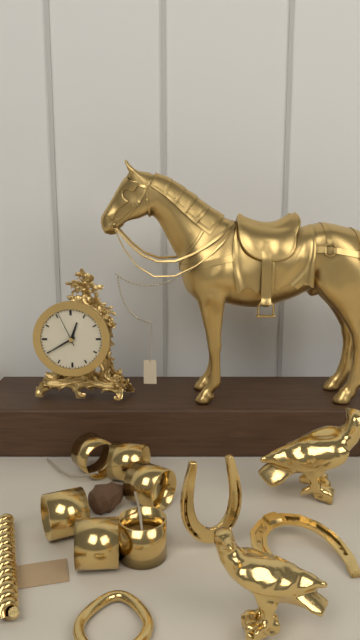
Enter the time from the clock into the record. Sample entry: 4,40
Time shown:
12,40
